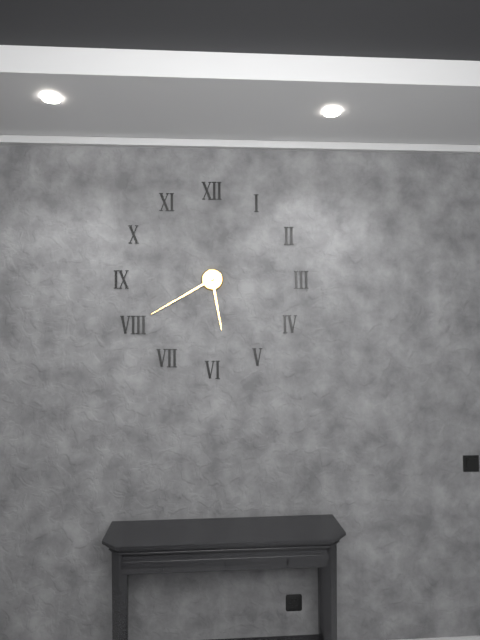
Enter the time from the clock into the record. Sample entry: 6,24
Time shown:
5,40
